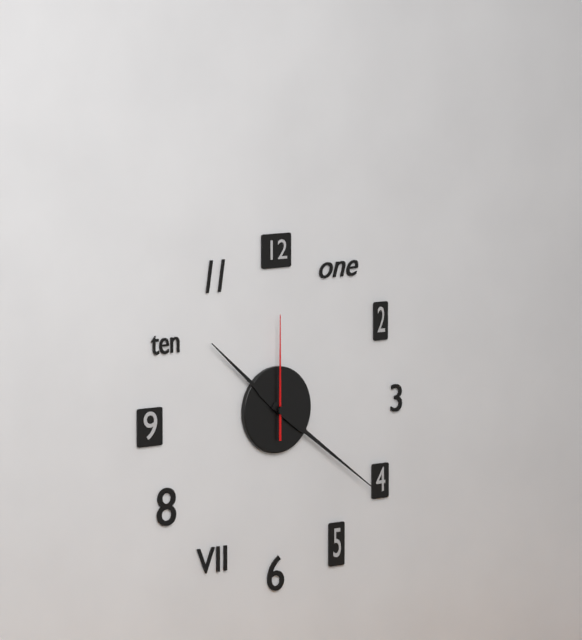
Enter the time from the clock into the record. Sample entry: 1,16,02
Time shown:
10,21,00
